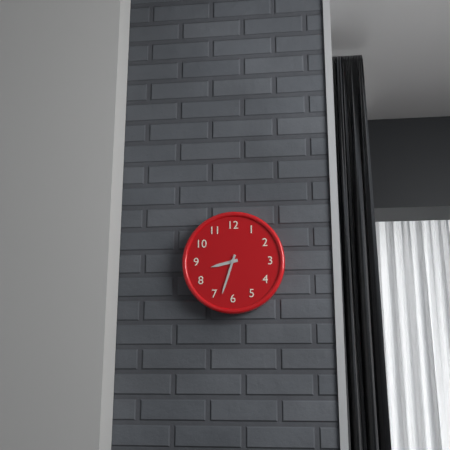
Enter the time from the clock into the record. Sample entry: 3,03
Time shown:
8,33
